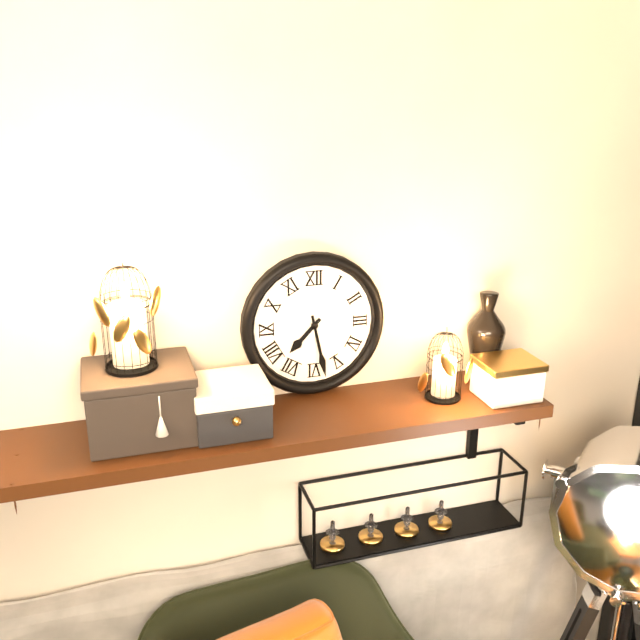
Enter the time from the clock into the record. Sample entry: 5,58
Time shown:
7,28
